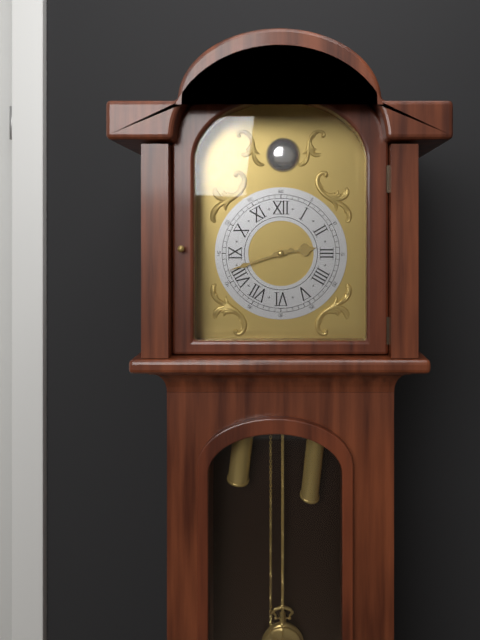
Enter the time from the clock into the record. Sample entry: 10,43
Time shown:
2,42
